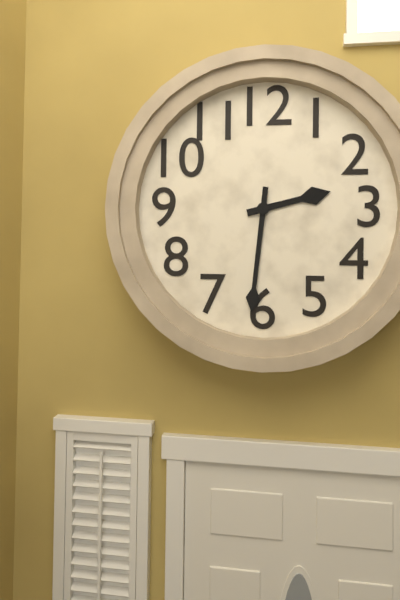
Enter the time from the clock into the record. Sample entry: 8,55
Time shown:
2,31
